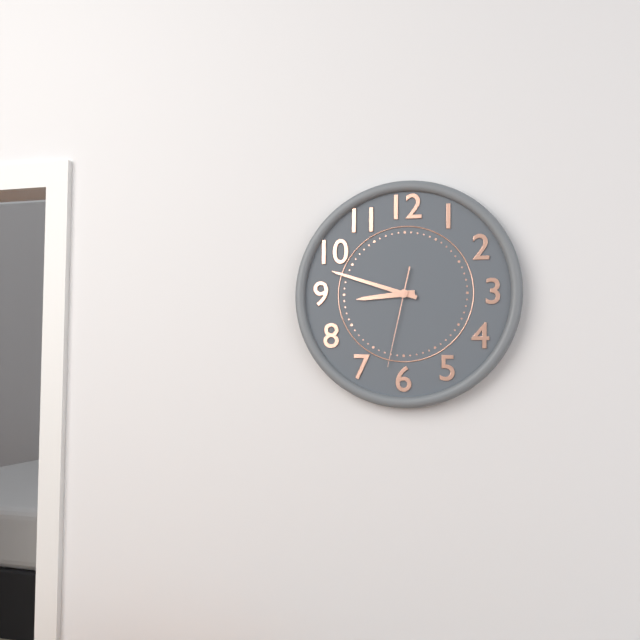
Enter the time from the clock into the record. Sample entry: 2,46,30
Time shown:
8,48,32
